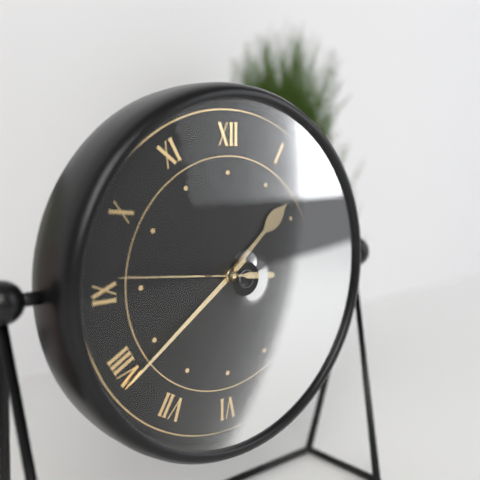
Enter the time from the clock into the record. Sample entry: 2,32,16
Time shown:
1,39,46
